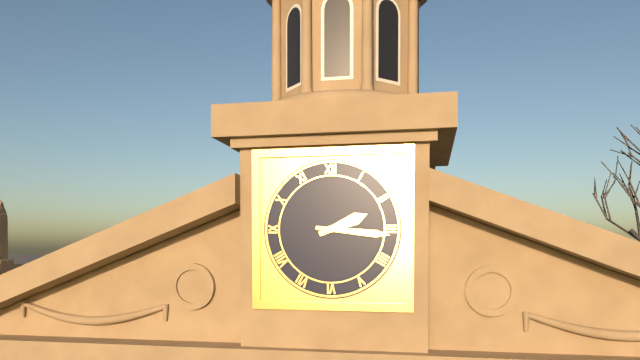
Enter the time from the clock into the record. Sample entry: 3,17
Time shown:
2,16
